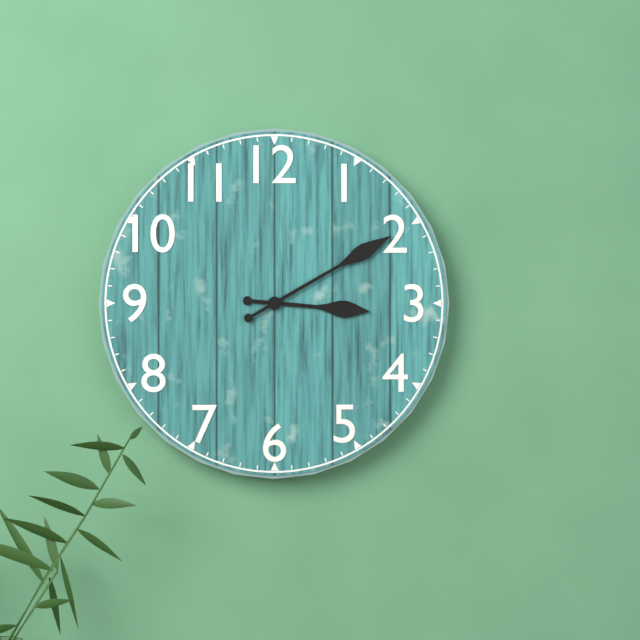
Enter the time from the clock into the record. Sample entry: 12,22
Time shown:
3,10
